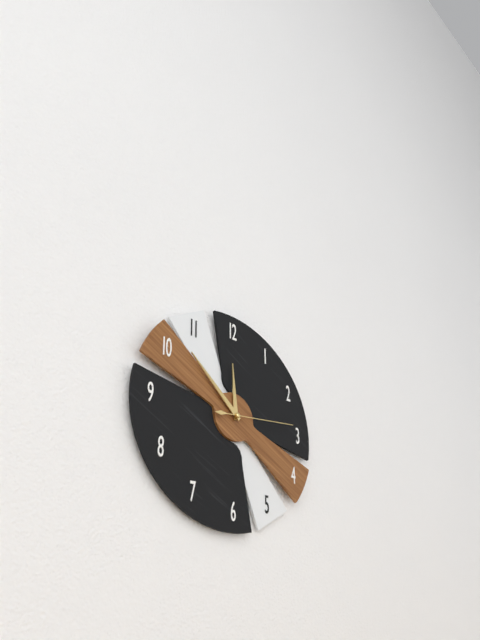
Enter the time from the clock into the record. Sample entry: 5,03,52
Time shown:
11,52,14
